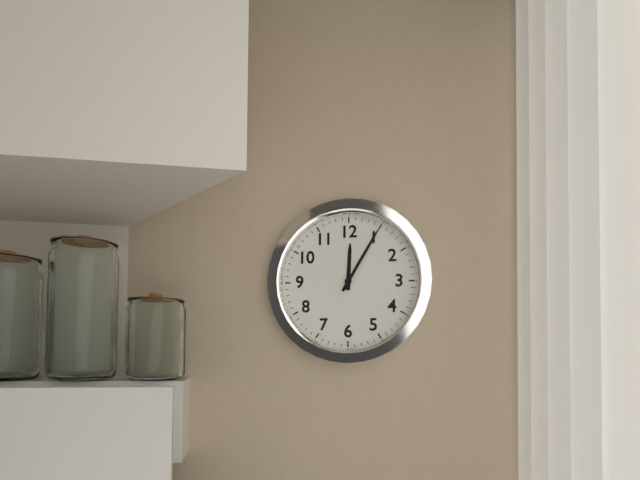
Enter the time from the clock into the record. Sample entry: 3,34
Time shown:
12,05
